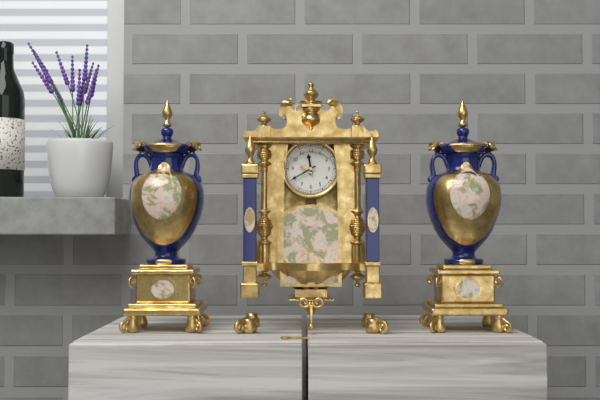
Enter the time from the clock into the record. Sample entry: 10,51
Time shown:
11,40
